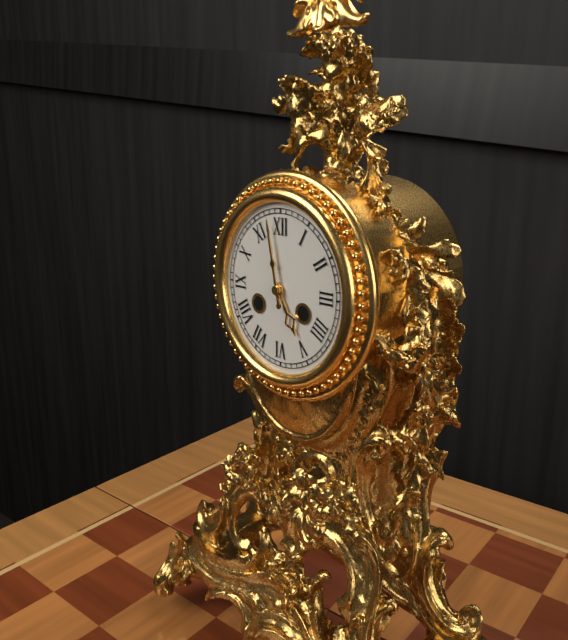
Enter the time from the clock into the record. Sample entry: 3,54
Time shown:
4,58
